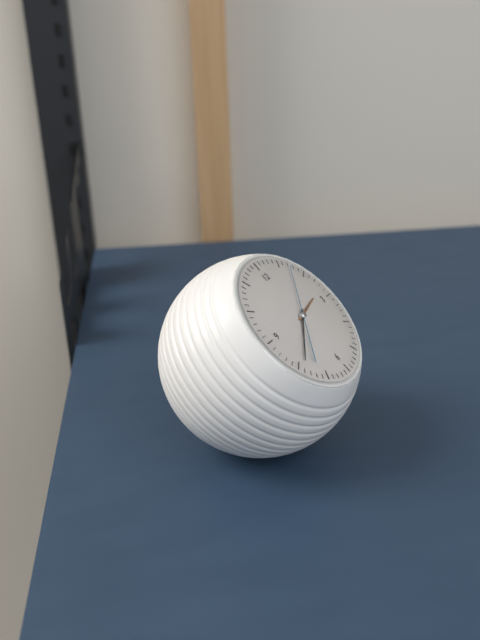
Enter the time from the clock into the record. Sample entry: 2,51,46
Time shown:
2,39,07
